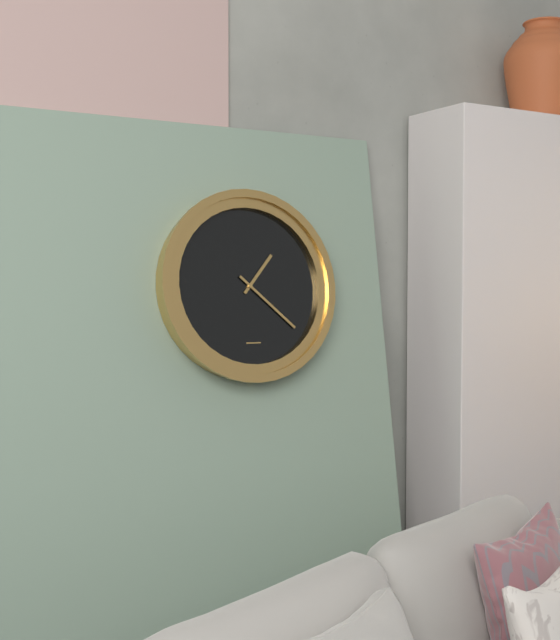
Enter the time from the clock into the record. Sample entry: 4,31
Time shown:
1,22
